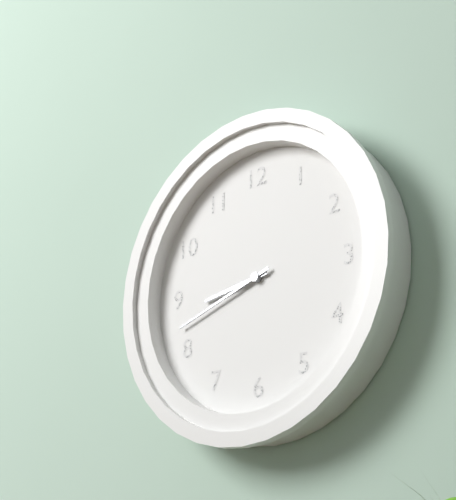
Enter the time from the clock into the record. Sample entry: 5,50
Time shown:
8,42
